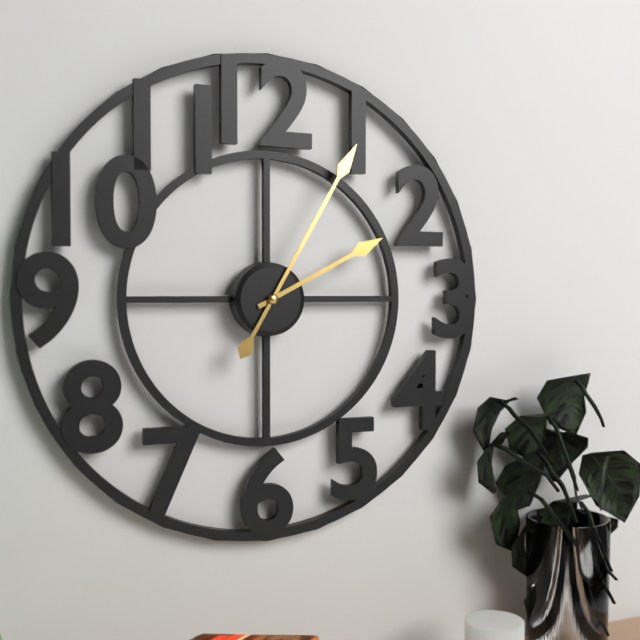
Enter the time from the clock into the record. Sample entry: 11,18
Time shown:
2,05
